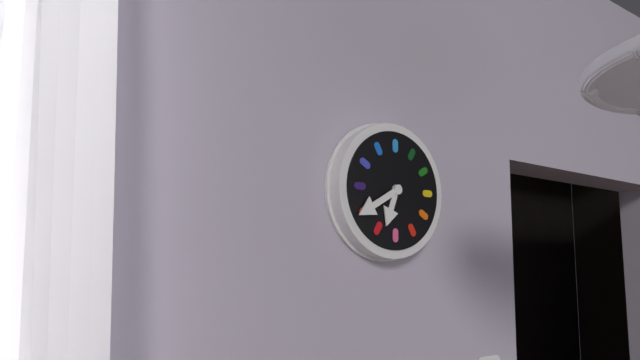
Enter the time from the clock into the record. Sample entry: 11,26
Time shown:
6,40
